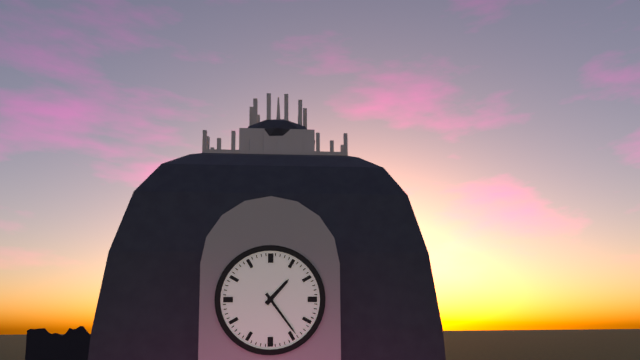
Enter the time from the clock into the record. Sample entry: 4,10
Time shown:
1,24
